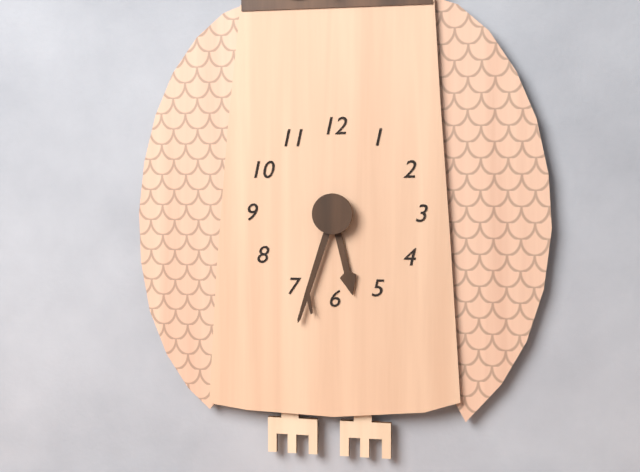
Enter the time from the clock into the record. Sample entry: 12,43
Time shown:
5,33
